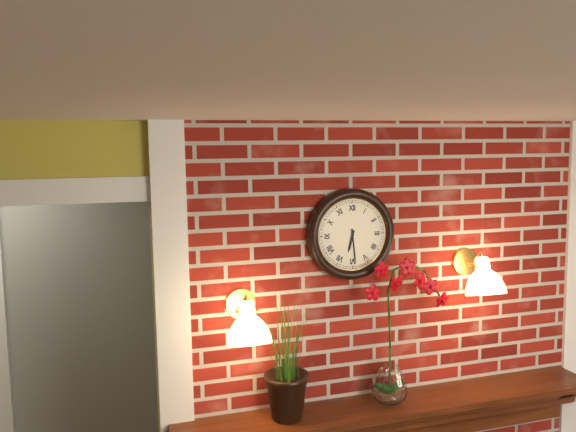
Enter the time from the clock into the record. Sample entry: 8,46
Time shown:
6,29
